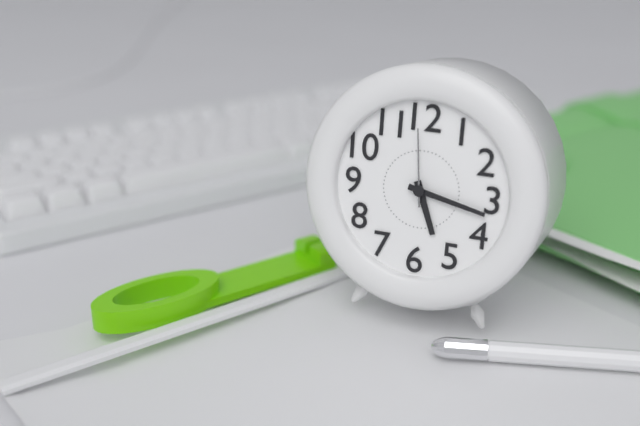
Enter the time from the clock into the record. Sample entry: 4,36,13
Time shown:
5,17,59
